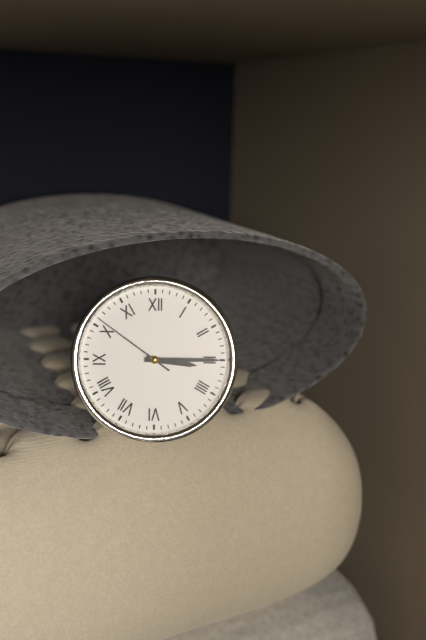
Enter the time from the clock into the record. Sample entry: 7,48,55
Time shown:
3,15,51
